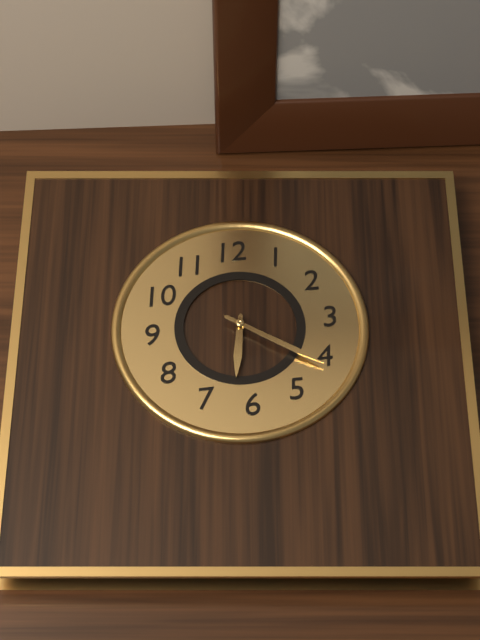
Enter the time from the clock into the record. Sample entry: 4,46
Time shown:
6,21
